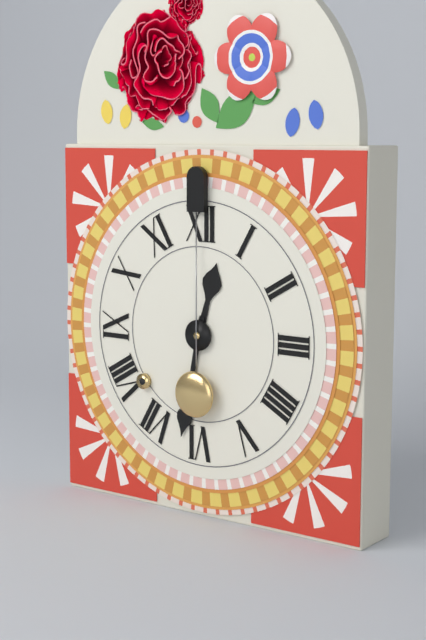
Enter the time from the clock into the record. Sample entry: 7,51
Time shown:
12,32
